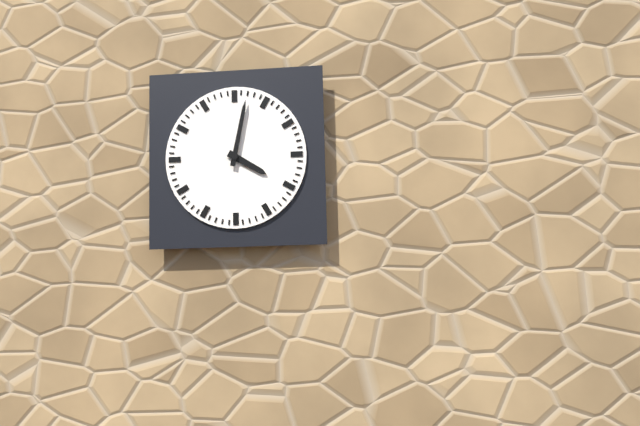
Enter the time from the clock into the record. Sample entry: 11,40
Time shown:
4,02
